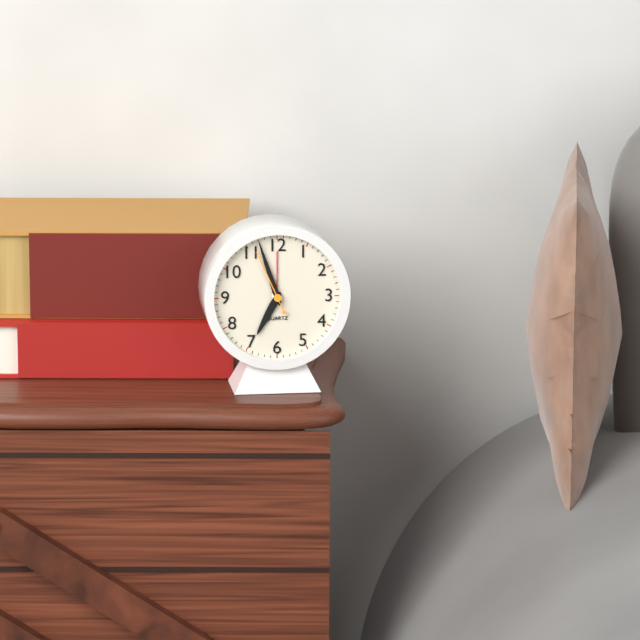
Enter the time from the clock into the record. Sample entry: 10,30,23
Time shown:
6,57,56
